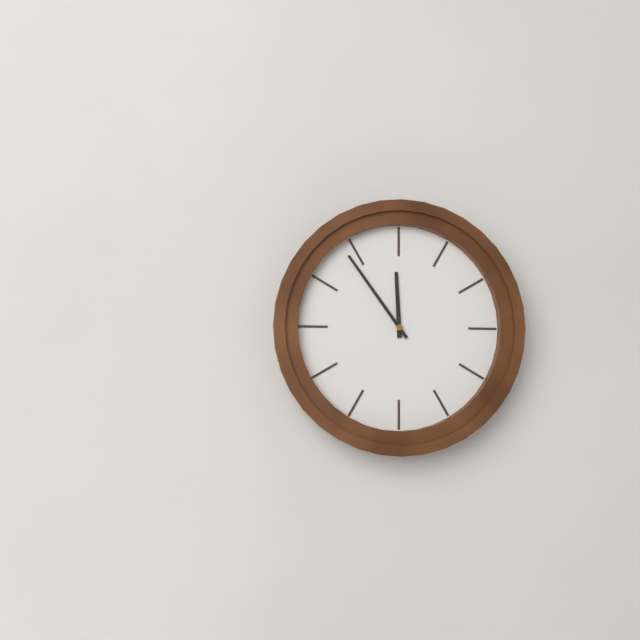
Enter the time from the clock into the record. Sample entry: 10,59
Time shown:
11,54
